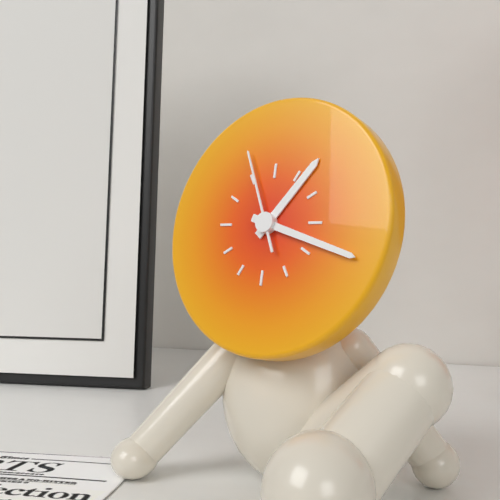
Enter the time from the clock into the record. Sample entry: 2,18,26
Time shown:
1,18,56
